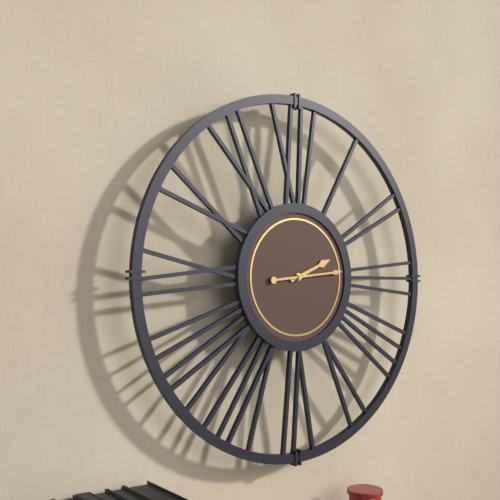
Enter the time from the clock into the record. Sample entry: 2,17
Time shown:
2,14
